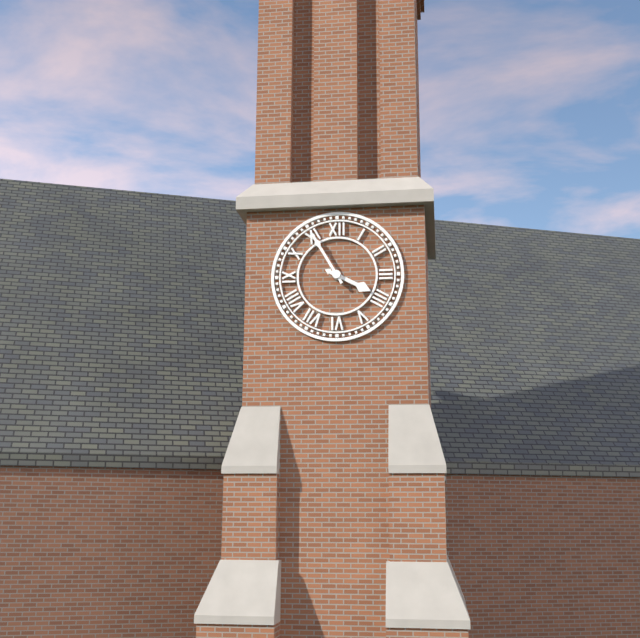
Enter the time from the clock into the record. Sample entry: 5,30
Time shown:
3,55
